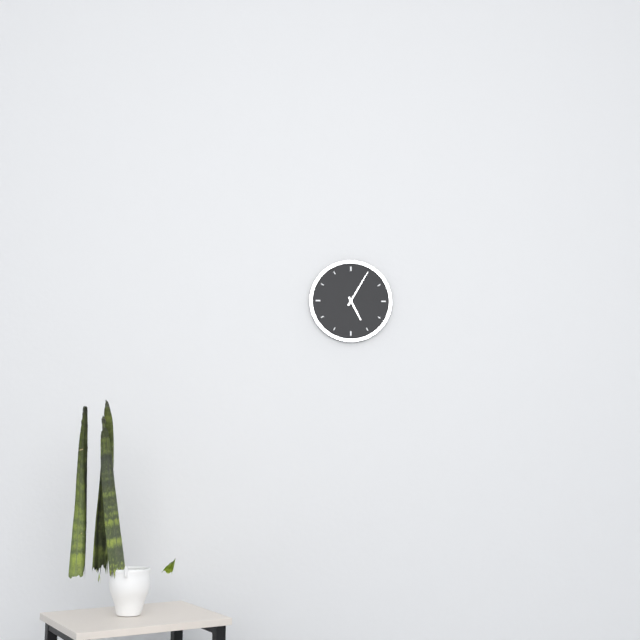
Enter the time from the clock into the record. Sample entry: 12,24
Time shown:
5,05
